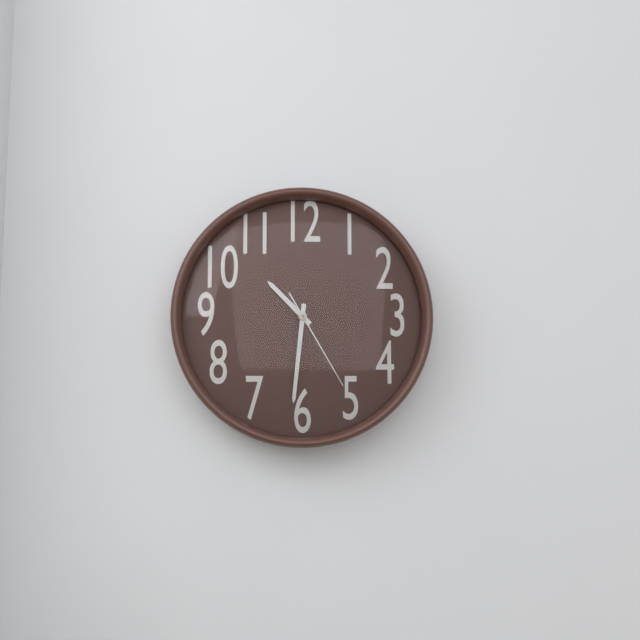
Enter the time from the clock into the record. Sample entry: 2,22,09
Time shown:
10,31,25
